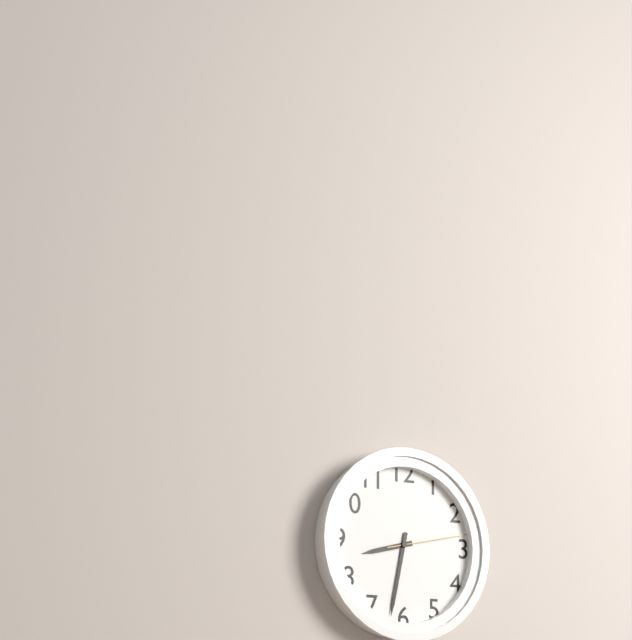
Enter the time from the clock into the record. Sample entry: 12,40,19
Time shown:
8,32,13
